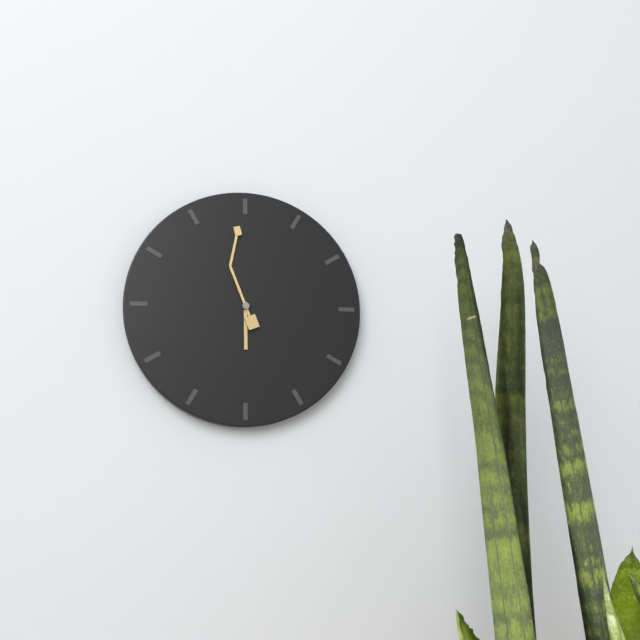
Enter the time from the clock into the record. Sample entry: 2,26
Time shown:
5,59
